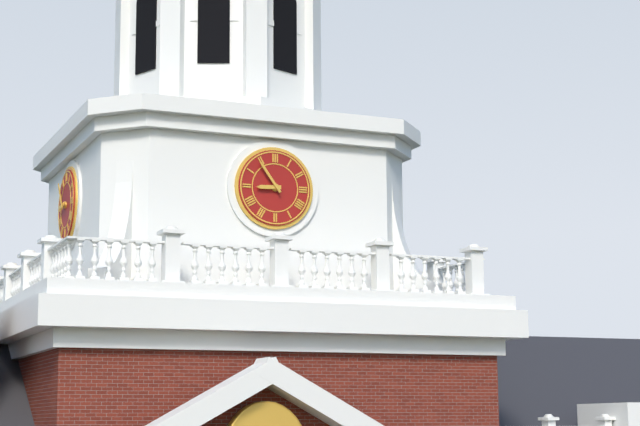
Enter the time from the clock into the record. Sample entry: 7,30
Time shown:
8,54
